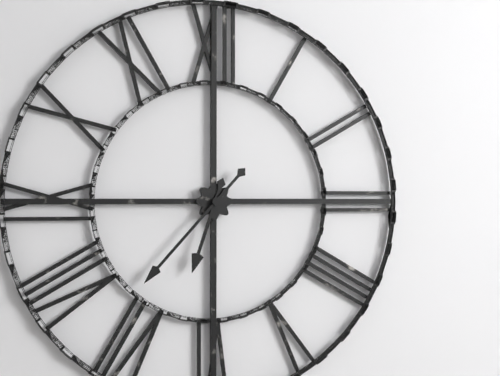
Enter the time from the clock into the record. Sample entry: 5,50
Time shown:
6,37
